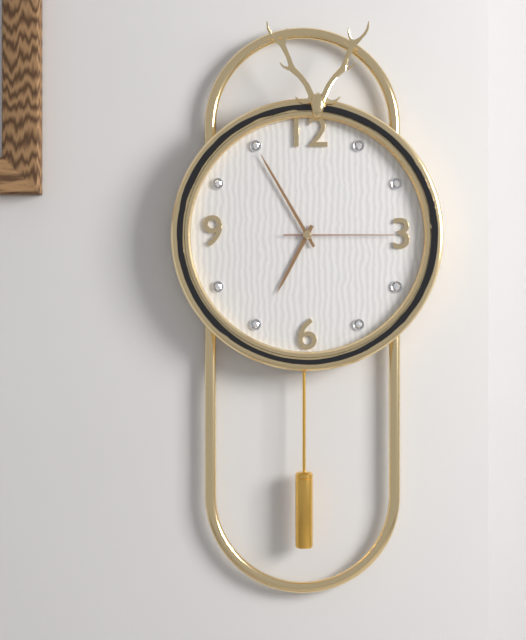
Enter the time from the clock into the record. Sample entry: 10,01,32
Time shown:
6,55,15
